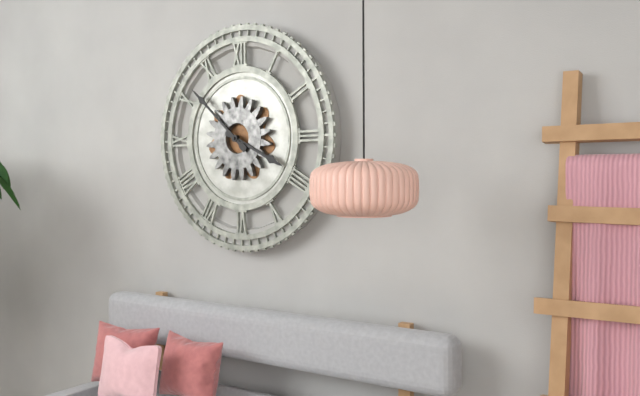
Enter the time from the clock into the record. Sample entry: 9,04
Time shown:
3,52
